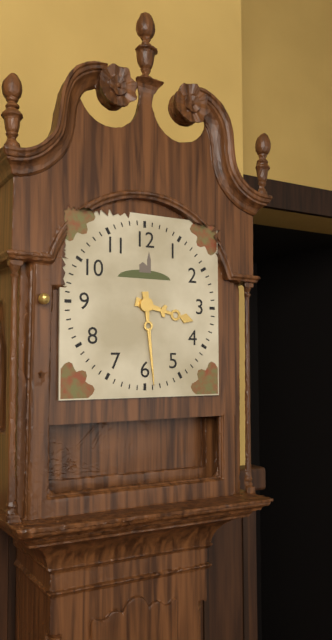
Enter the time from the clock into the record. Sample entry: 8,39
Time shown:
3,29
